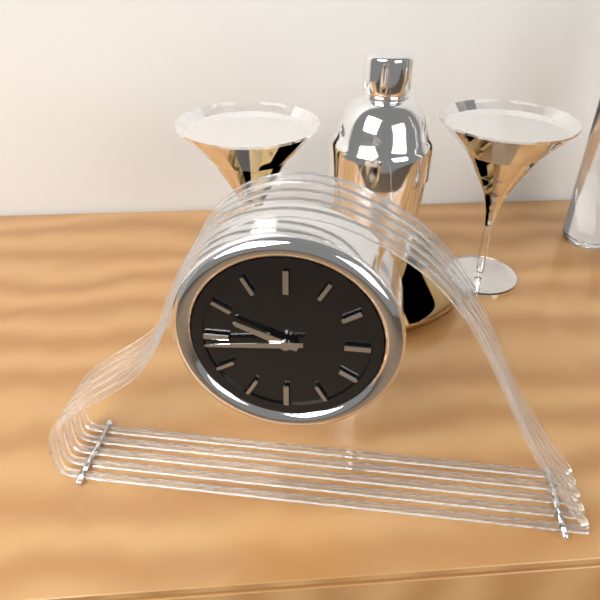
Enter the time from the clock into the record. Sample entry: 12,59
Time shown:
9,44
